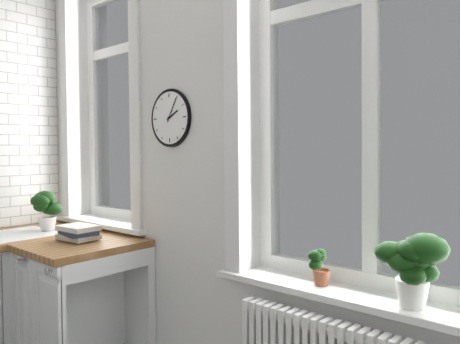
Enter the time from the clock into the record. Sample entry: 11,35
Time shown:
2,05
